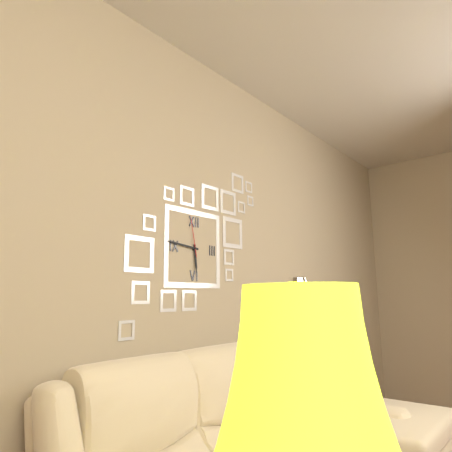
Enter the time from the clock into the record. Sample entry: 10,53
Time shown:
5,46
